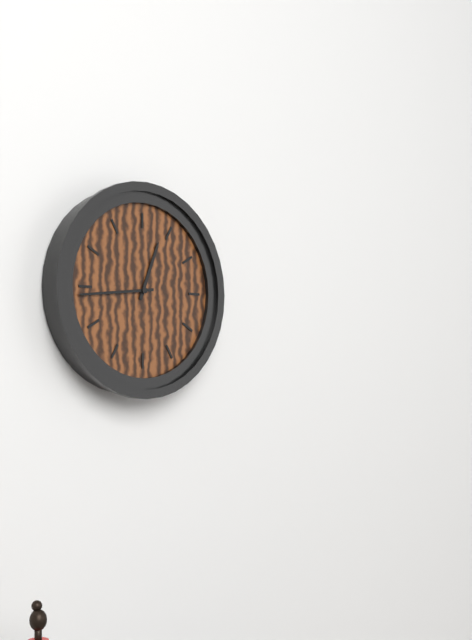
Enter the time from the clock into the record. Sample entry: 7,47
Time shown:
12,44
